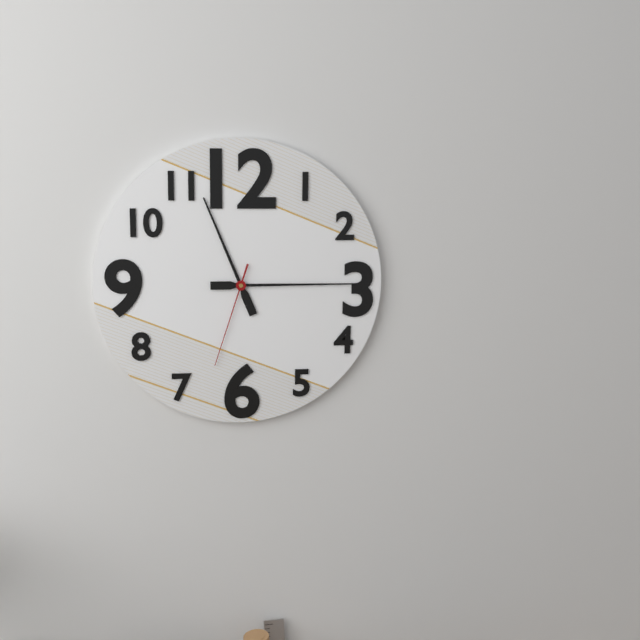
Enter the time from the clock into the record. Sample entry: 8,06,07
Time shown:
11,15,33
